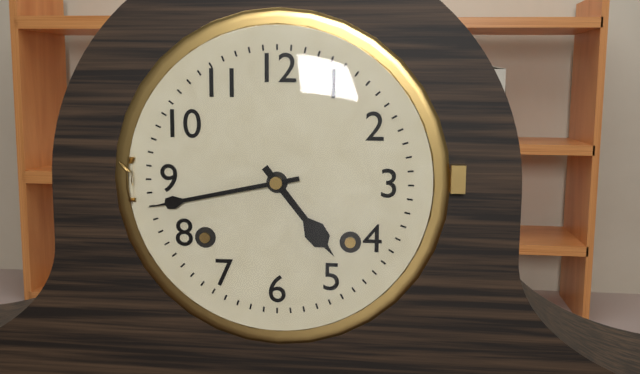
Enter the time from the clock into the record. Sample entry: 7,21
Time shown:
4,43
